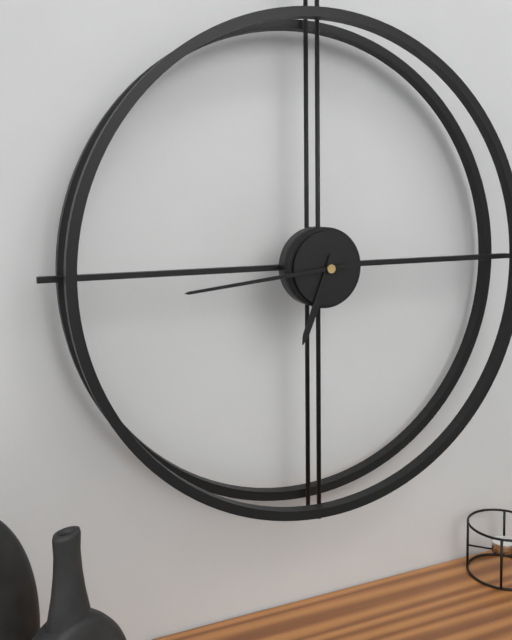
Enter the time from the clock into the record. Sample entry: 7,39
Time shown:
6,44
